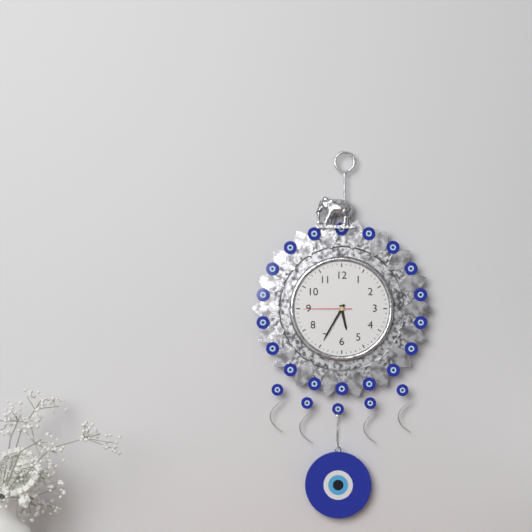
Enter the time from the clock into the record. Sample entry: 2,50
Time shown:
5,35
